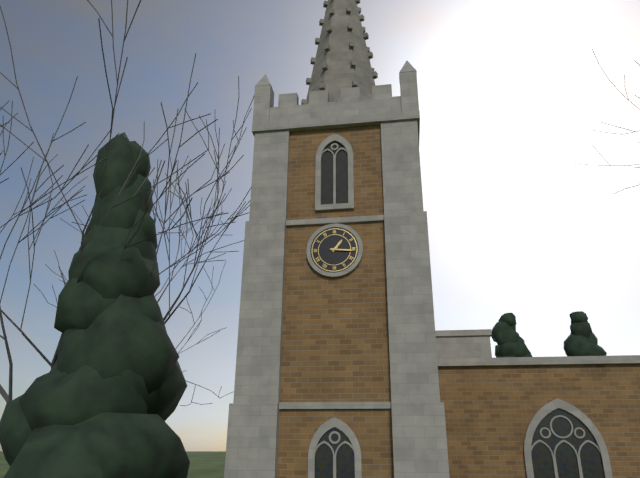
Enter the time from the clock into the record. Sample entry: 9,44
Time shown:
1,16
